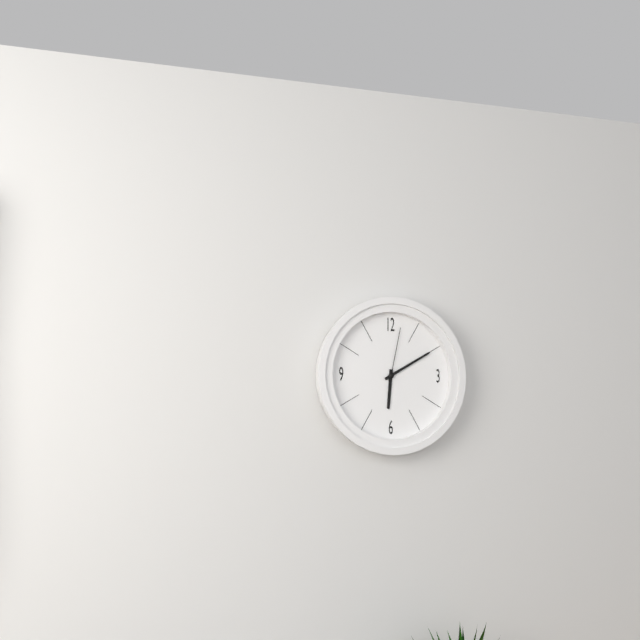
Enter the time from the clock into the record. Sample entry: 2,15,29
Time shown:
6,10,02
